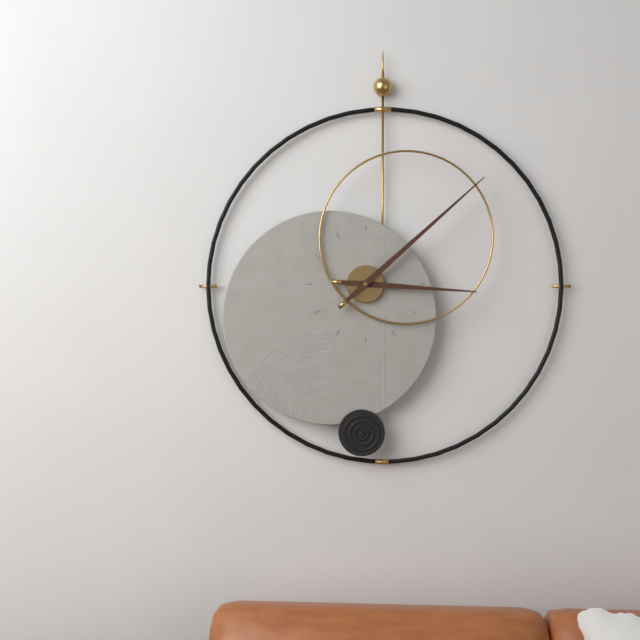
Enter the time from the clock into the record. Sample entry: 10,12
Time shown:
3,08
